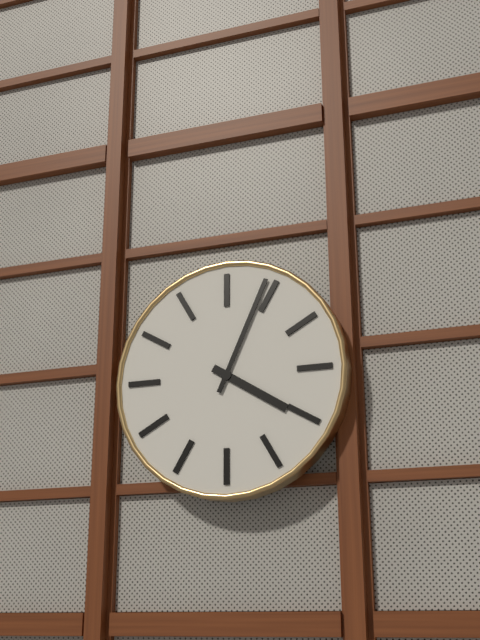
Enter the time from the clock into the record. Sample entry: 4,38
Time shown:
4,04
